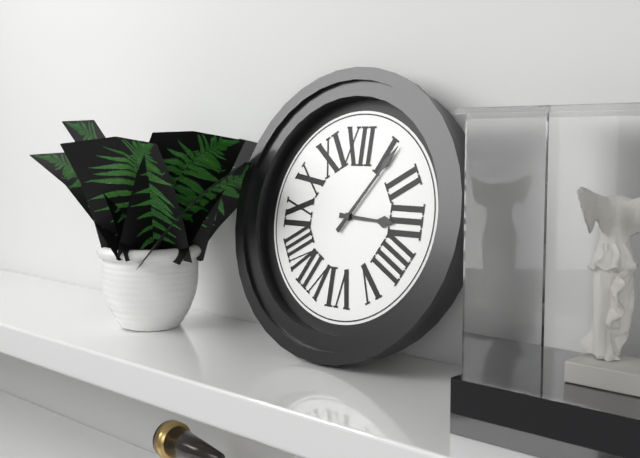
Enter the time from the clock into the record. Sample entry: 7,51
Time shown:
3,06
